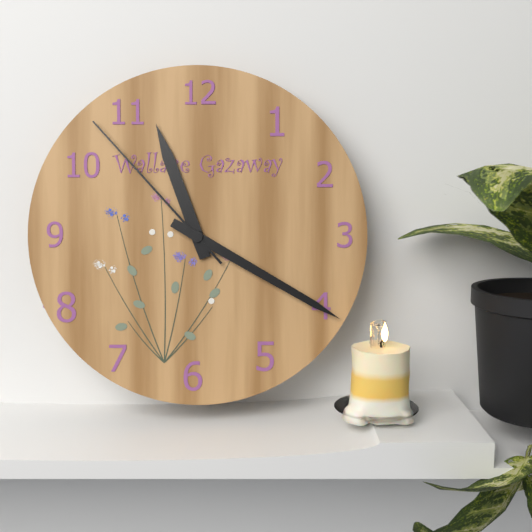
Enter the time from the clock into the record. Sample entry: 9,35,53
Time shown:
11,20,53
